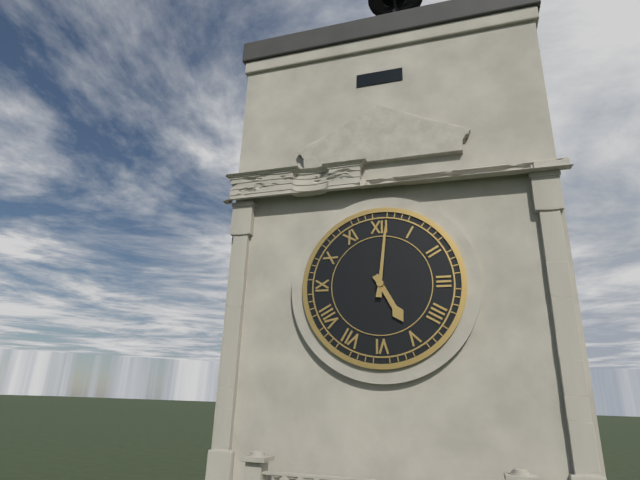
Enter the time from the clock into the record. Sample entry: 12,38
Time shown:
5,01
